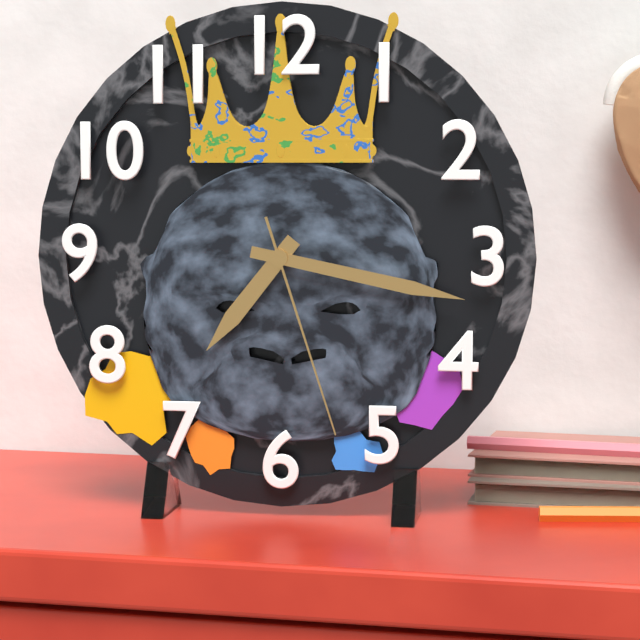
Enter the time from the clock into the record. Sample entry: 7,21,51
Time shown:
7,17,27
